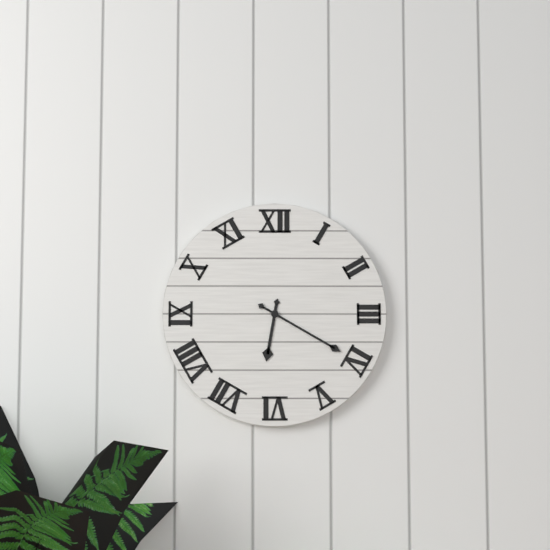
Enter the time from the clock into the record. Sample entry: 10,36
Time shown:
6,20
